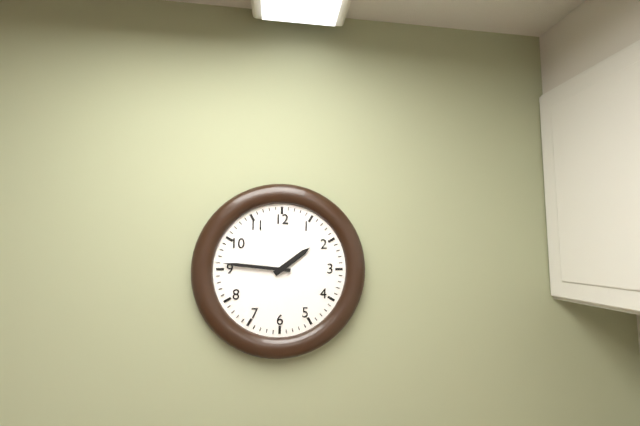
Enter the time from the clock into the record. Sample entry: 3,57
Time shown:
1,46
